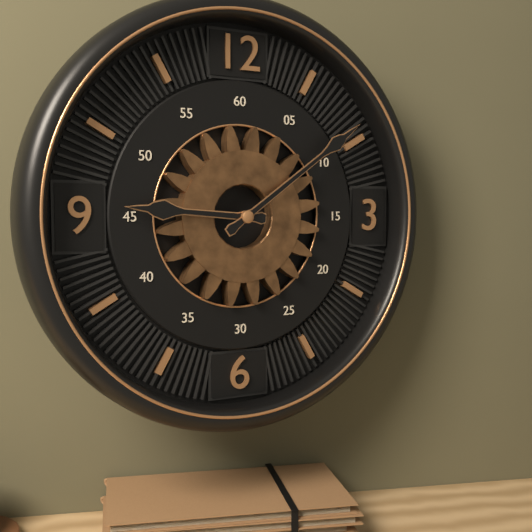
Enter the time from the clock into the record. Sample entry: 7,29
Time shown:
9,09
